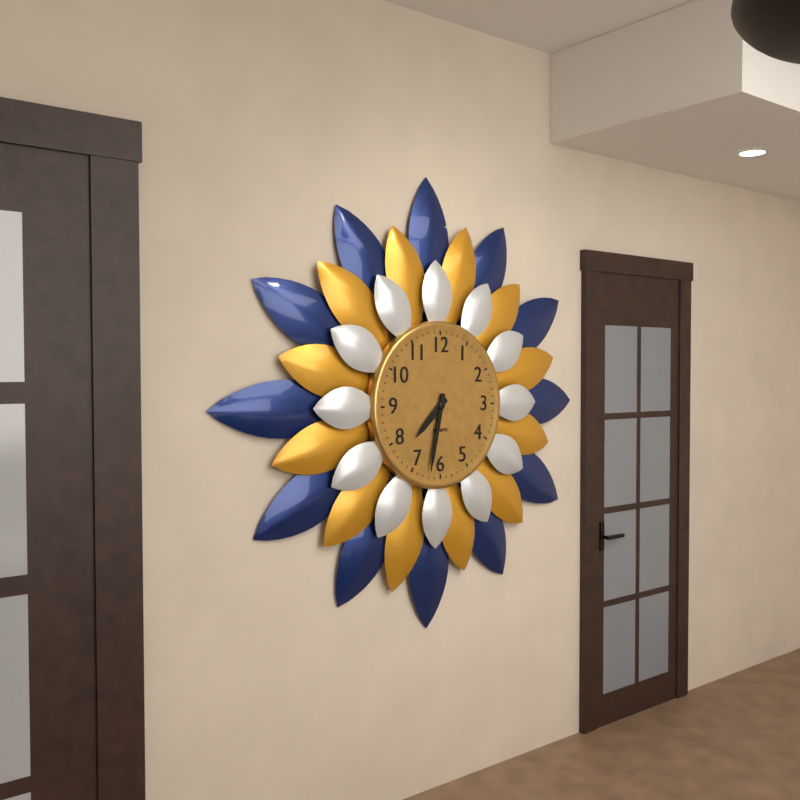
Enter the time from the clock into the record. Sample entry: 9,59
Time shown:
7,32
